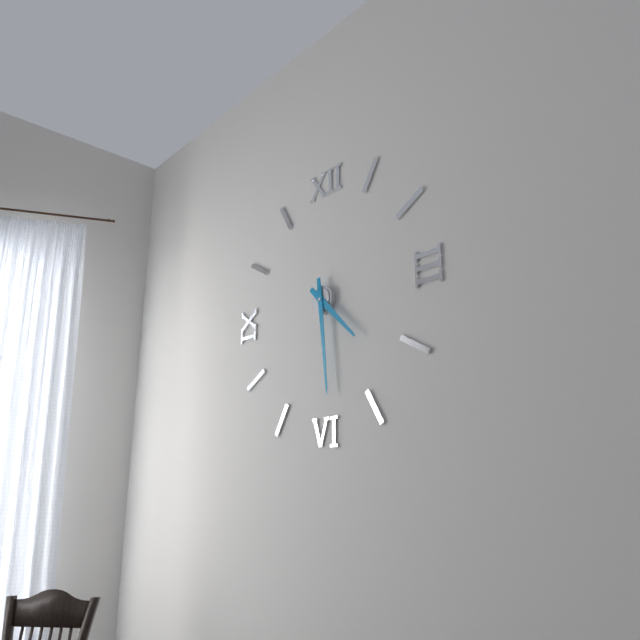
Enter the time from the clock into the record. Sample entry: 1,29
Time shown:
4,29
